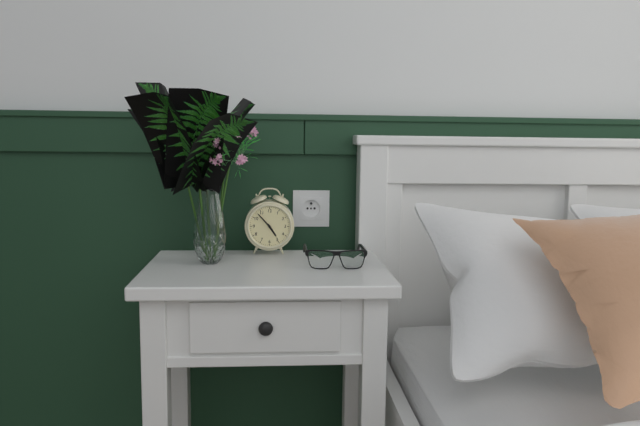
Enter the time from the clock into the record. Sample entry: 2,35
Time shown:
4,53
